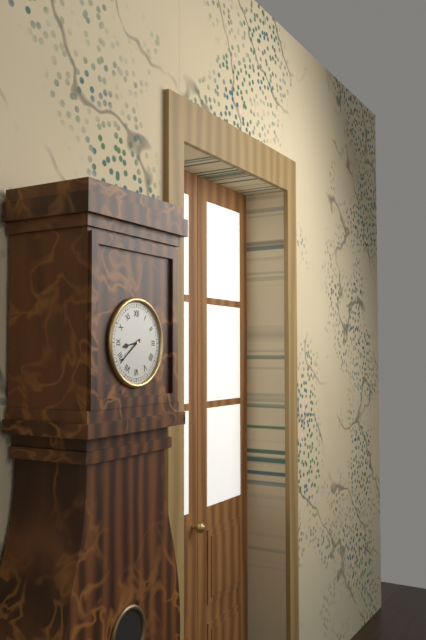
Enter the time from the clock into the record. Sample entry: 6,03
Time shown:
8,39
